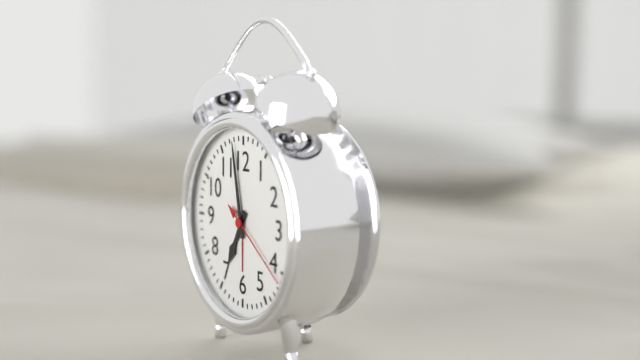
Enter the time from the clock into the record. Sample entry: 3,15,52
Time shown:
6,58,21
